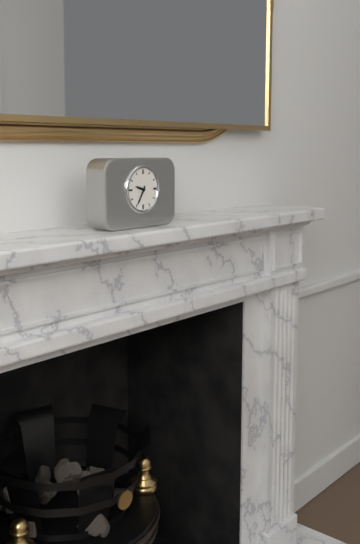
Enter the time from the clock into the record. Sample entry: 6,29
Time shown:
9,35
